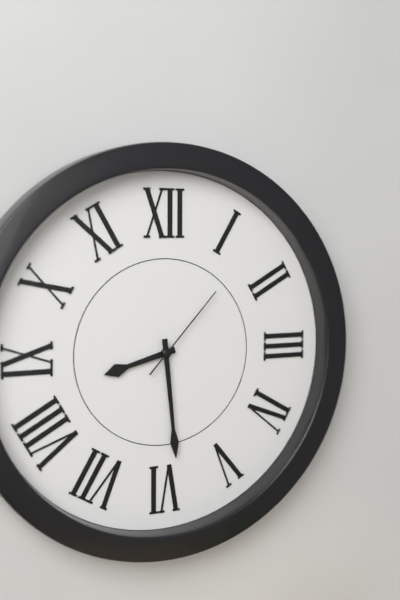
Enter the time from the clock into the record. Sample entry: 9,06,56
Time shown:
8,29,07
